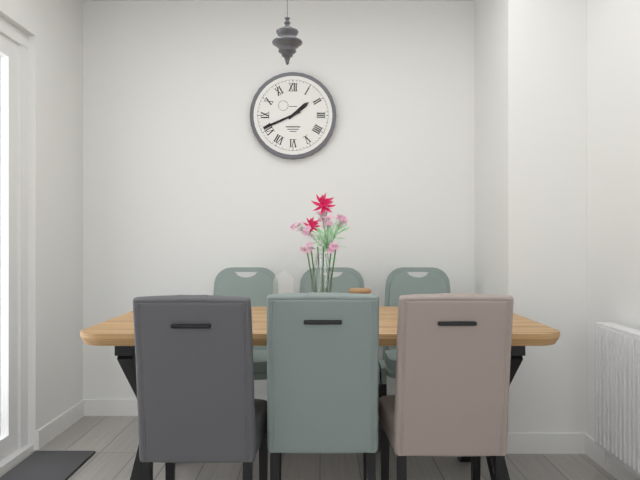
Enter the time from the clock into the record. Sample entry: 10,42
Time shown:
1,41
